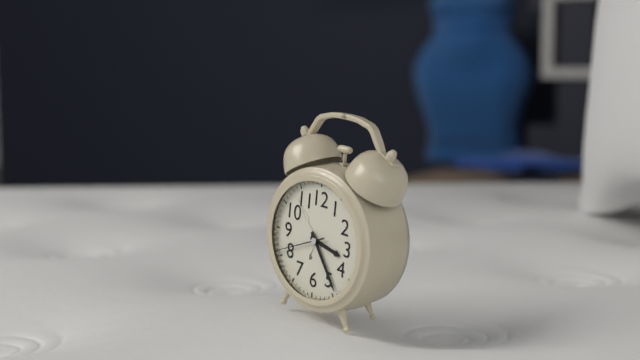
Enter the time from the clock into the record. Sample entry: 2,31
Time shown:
3,24
